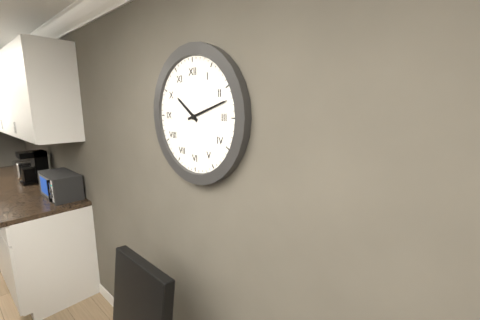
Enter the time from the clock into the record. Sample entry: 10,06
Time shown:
10,12
